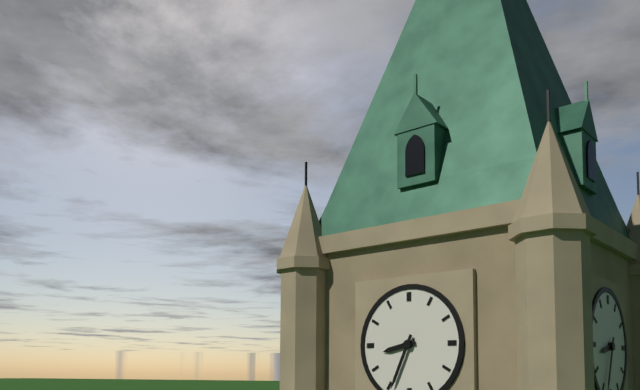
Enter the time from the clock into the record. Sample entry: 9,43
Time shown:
8,34
